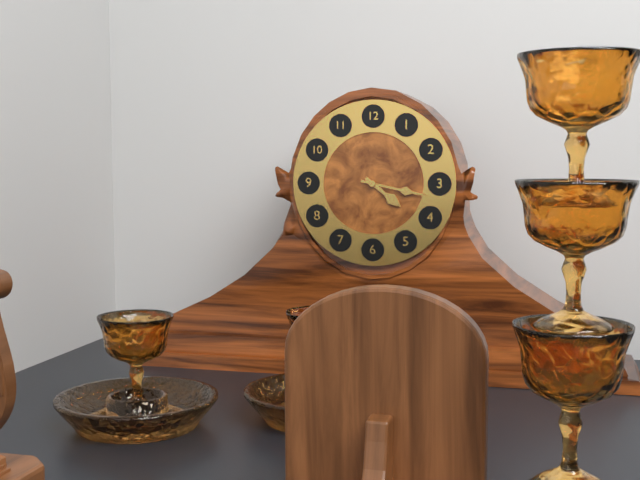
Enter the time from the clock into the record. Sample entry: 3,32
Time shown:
4,17
